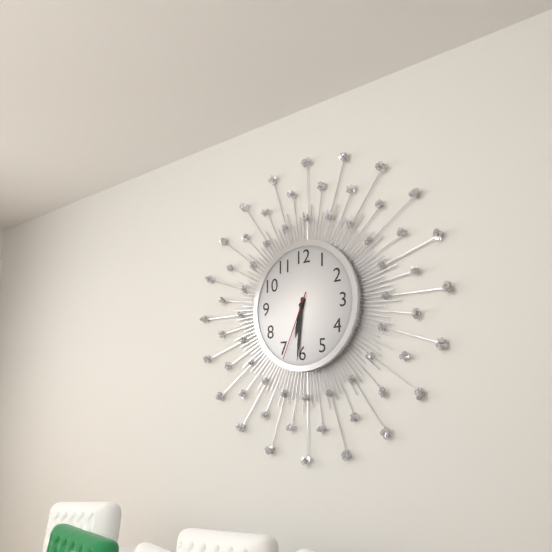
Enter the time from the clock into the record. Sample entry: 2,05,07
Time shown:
6,31,34
